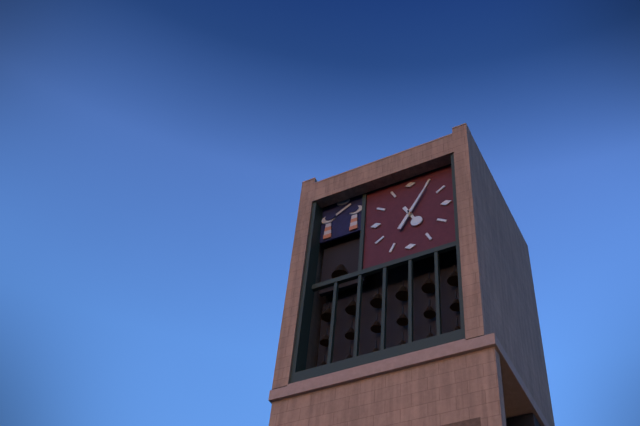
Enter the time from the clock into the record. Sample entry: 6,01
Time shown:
5,05
